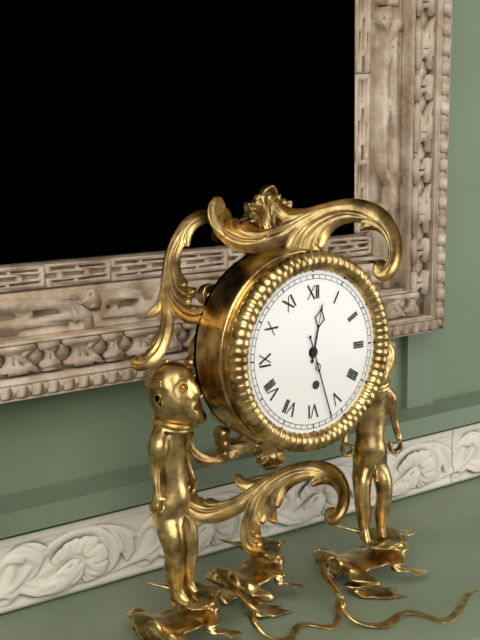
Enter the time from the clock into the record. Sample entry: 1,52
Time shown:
12,27
